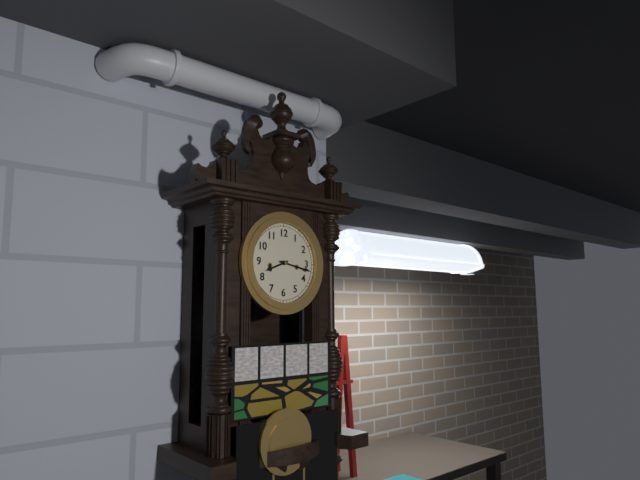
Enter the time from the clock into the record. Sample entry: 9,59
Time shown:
8,17
